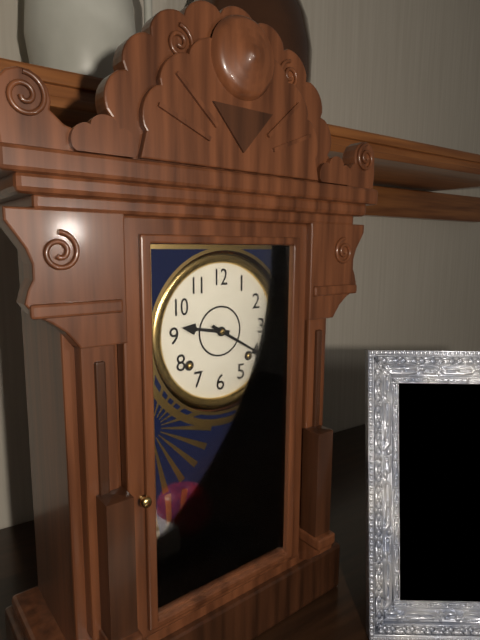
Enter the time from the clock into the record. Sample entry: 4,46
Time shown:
9,20
